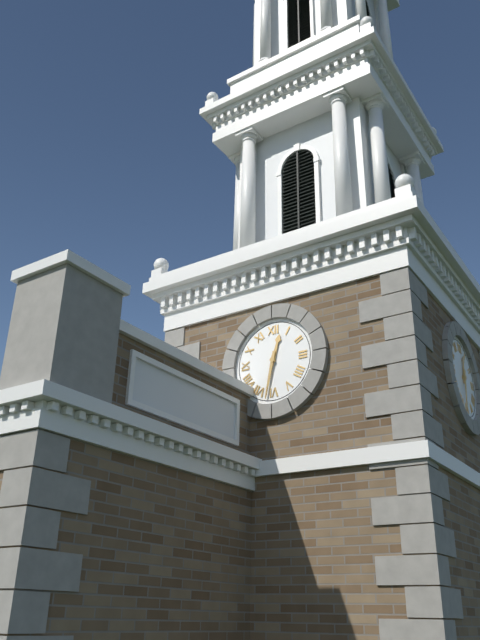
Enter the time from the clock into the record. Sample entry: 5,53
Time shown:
12,32
